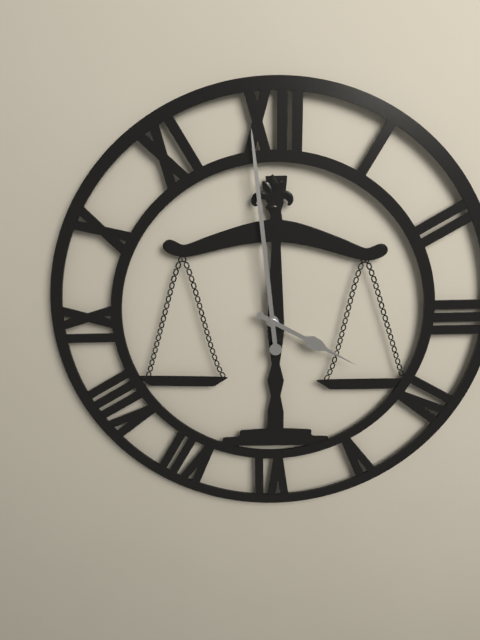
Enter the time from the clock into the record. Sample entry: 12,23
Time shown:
3,59
